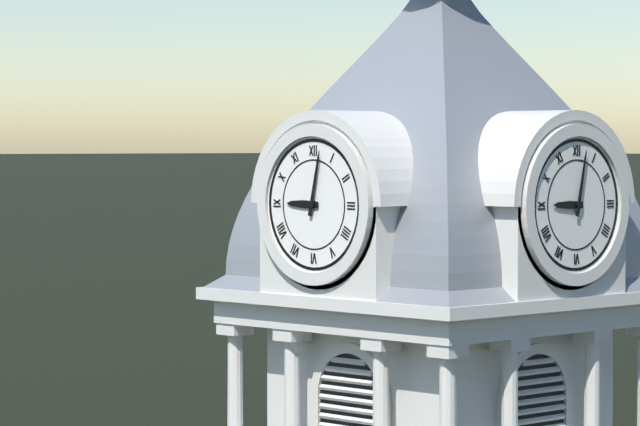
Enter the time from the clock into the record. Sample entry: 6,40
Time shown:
9,02
